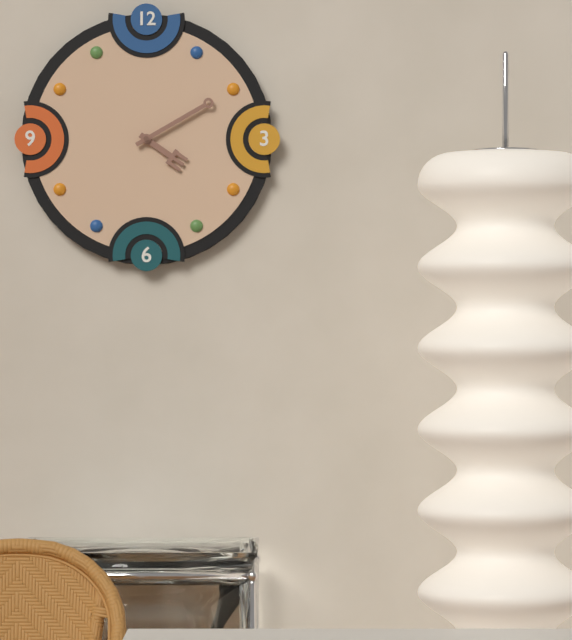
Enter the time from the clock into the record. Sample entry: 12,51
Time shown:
4,10
